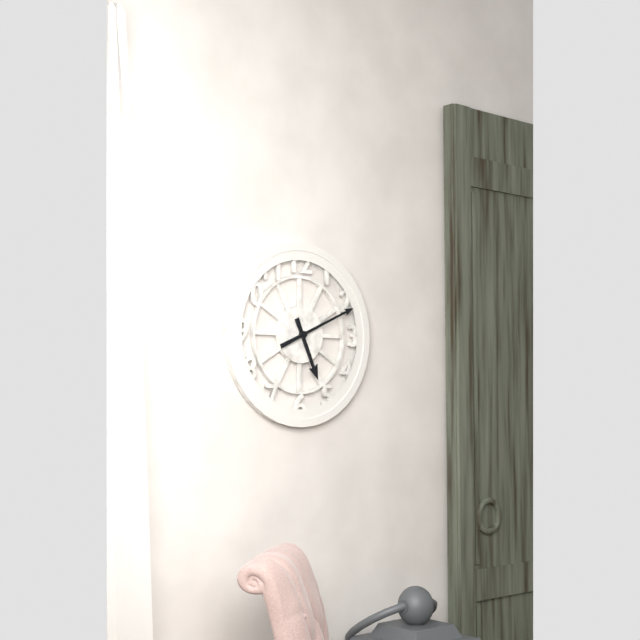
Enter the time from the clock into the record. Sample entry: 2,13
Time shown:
5,11
